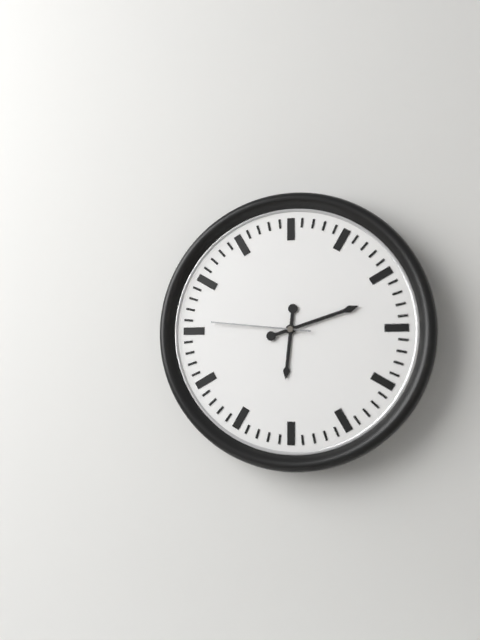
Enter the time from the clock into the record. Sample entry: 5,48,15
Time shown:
6,12,46
